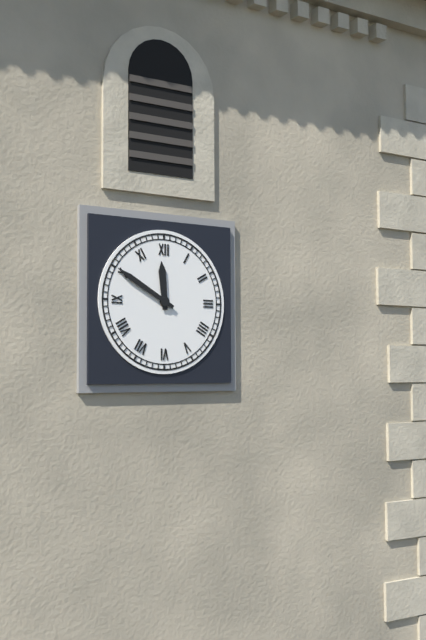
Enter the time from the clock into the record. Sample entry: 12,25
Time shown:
11,50
